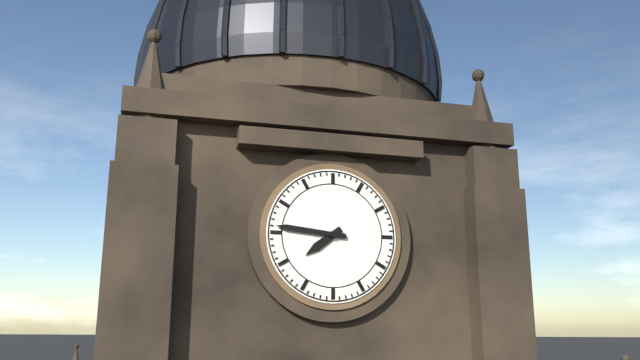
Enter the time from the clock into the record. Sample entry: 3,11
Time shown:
7,46
